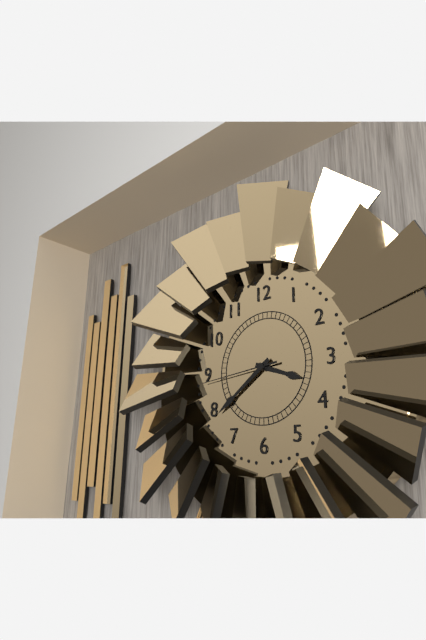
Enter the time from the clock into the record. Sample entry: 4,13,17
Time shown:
3,39,44
